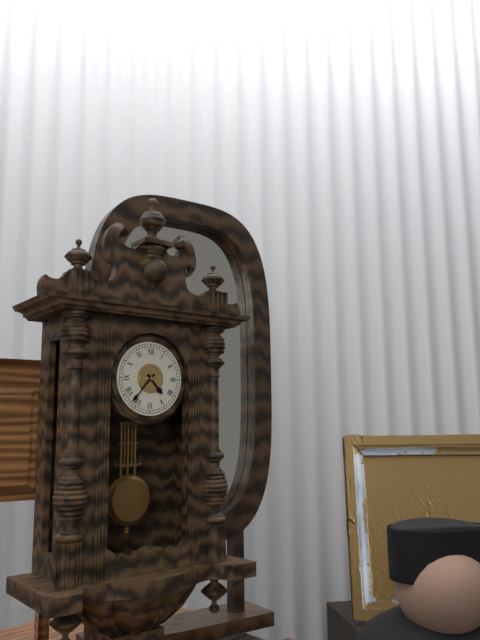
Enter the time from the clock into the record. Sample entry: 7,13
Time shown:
4,37
